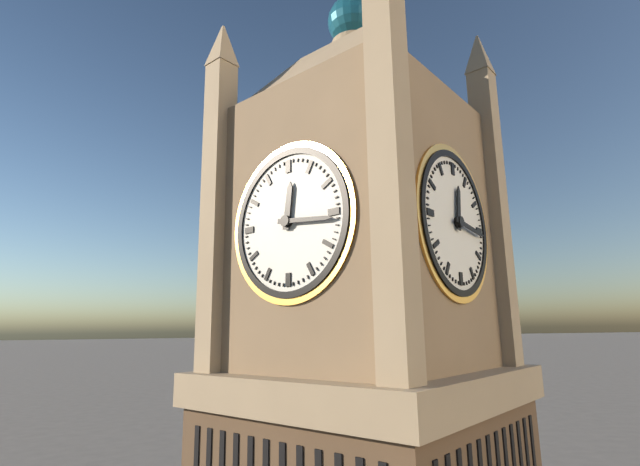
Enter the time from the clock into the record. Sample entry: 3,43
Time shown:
12,16
